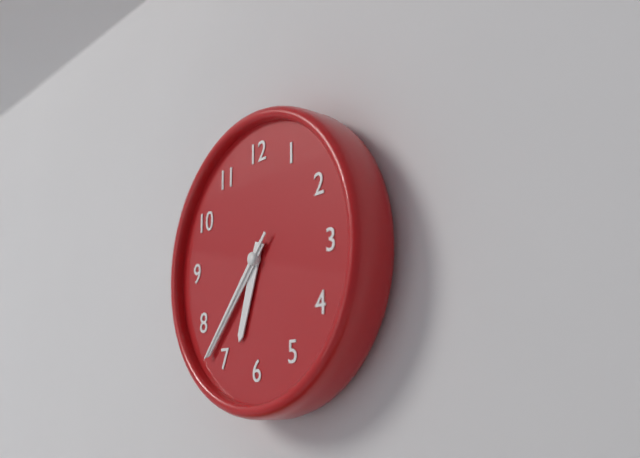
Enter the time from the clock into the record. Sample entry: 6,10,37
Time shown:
6,37,37
